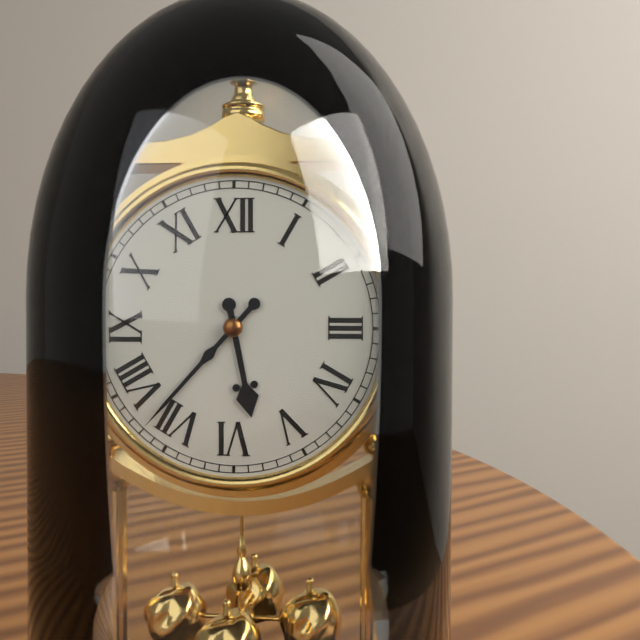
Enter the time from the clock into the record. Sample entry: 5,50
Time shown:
5,37
